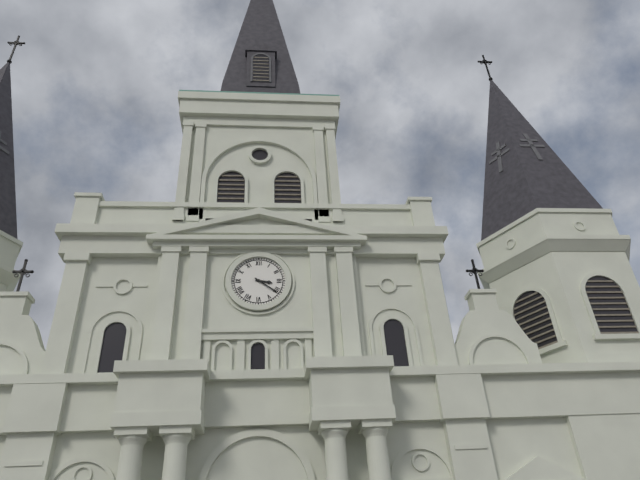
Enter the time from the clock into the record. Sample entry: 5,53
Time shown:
3,21
